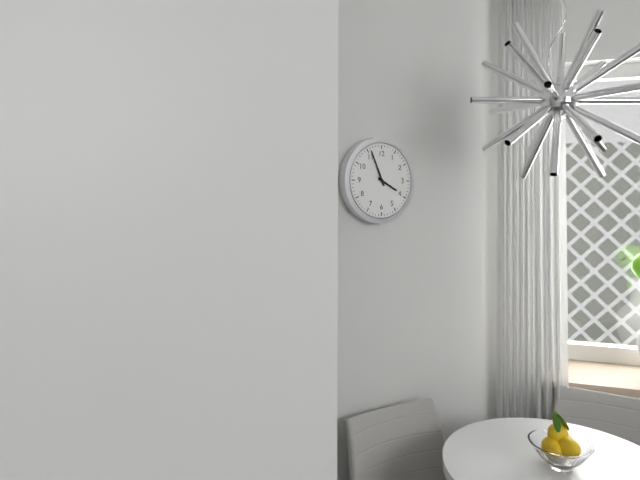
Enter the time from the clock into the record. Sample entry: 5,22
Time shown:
3,56
